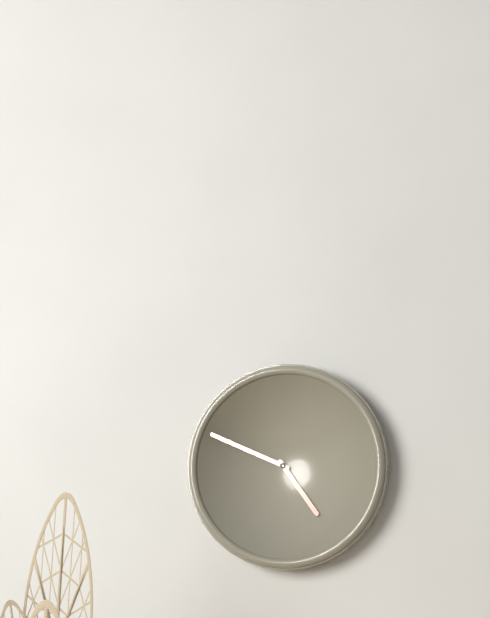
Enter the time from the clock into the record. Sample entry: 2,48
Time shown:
4,49
